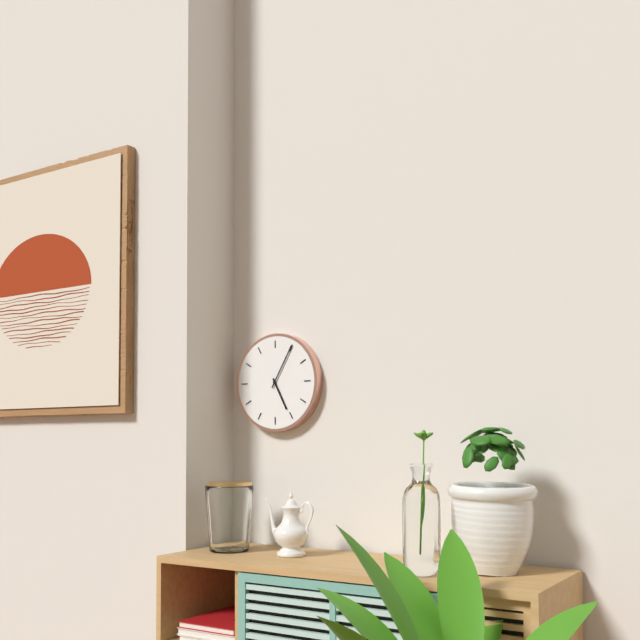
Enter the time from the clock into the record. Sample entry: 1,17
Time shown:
5,05
